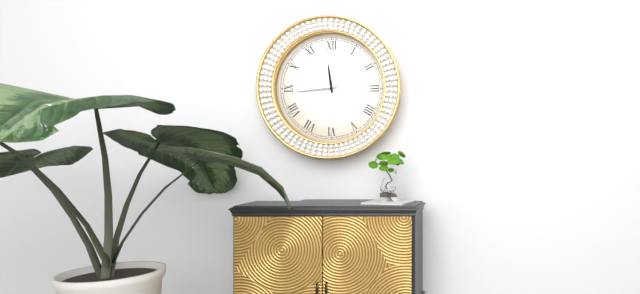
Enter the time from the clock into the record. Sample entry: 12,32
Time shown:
11,44
